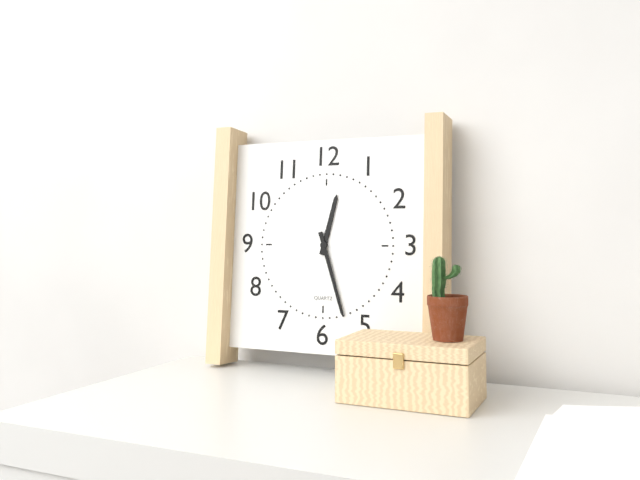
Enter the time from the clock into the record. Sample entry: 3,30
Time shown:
12,27
